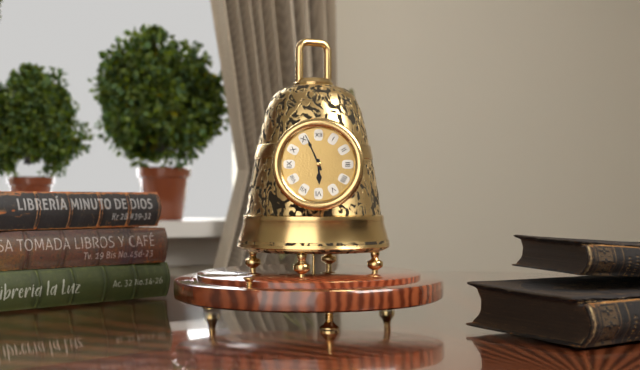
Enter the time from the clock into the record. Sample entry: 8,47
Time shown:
5,56
